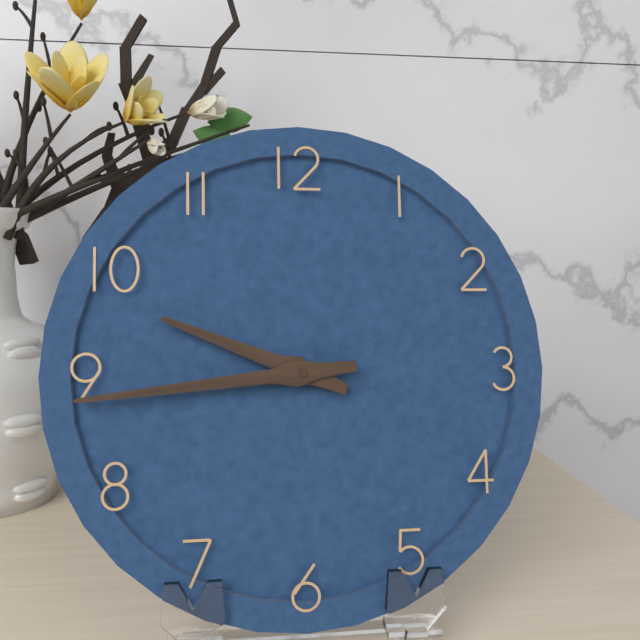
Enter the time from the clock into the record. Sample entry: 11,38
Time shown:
9,44
